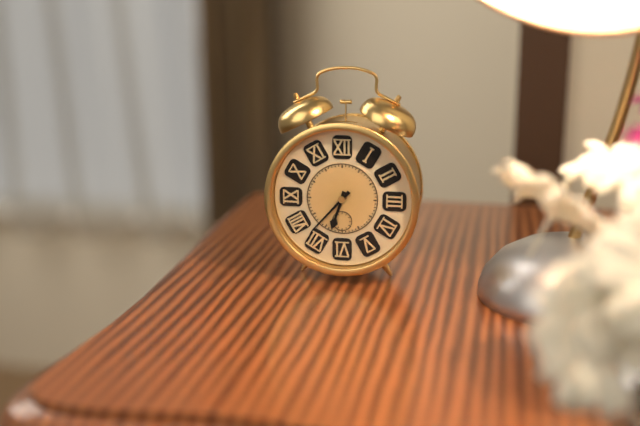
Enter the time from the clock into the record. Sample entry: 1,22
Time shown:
6,37
